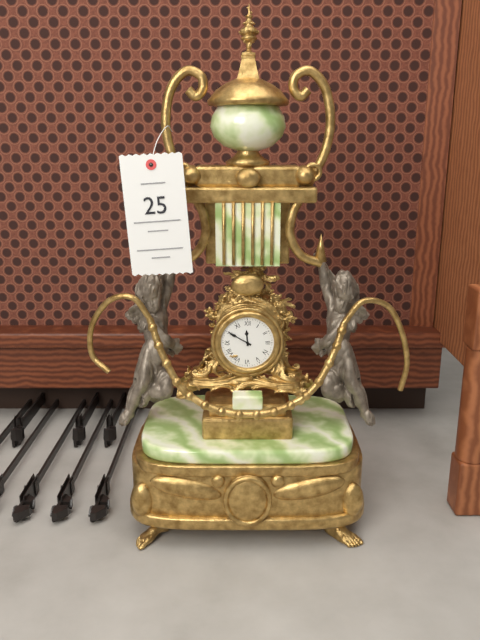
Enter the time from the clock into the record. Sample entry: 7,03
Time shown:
11,50
